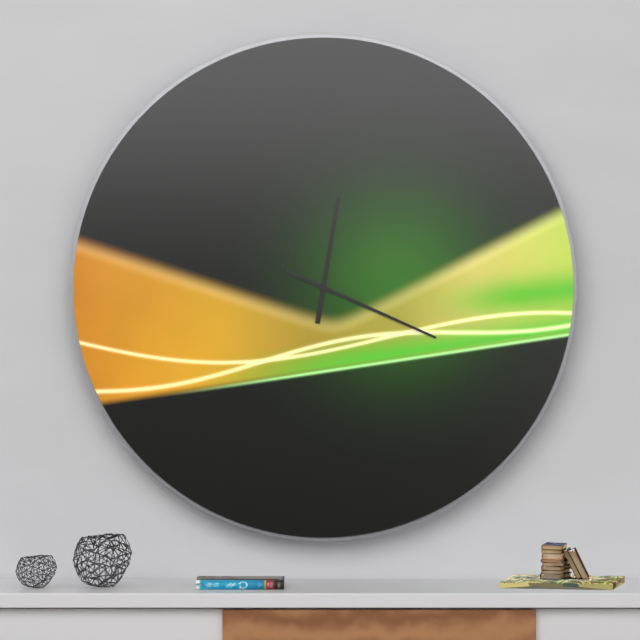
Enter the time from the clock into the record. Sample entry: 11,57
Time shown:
12,19
